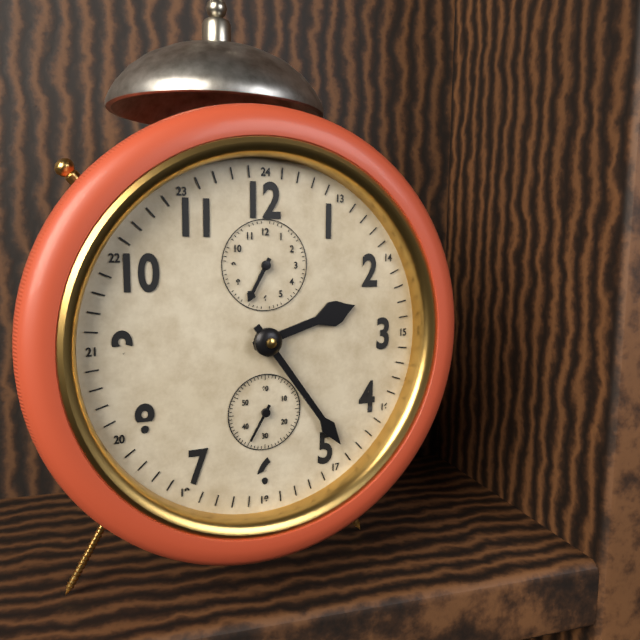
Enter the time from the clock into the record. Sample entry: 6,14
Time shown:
2,24
